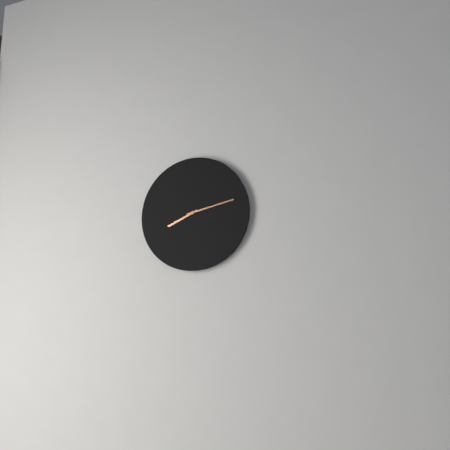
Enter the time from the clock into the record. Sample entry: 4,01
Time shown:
8,13
